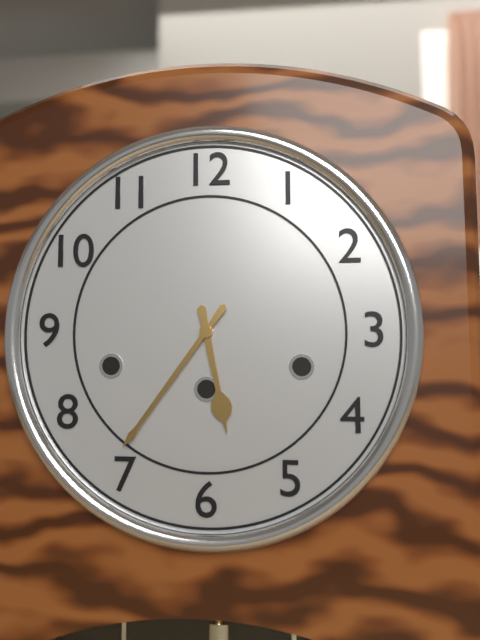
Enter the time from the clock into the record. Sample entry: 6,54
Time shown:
5,36
